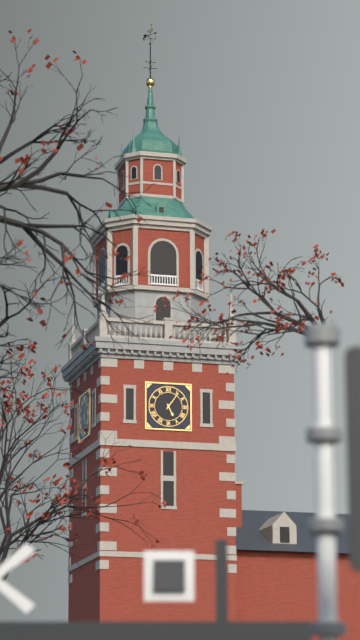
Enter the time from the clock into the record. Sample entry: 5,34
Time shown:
5,06
